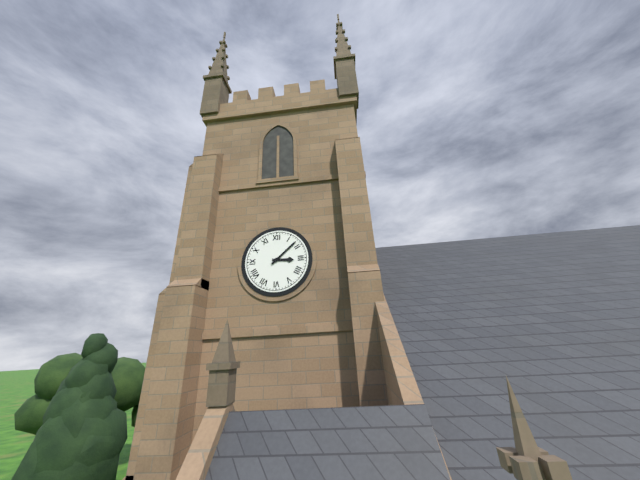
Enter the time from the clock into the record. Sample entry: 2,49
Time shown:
3,08
